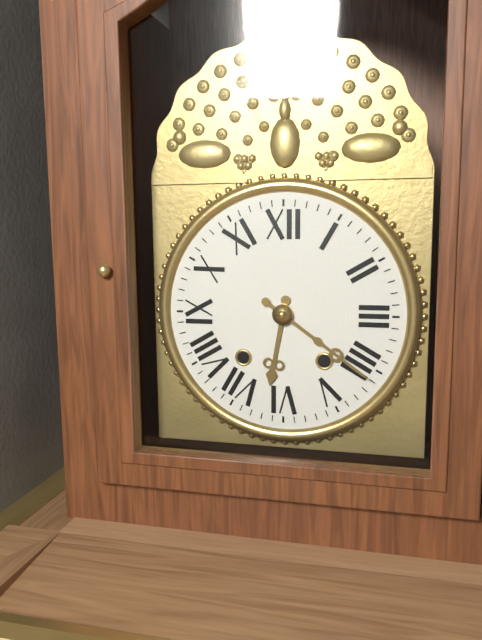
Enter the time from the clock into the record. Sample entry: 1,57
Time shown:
6,21
